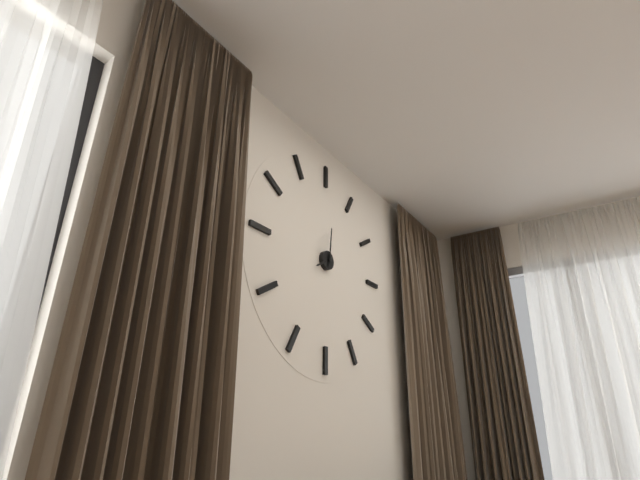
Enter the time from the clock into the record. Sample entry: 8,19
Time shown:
8,01
